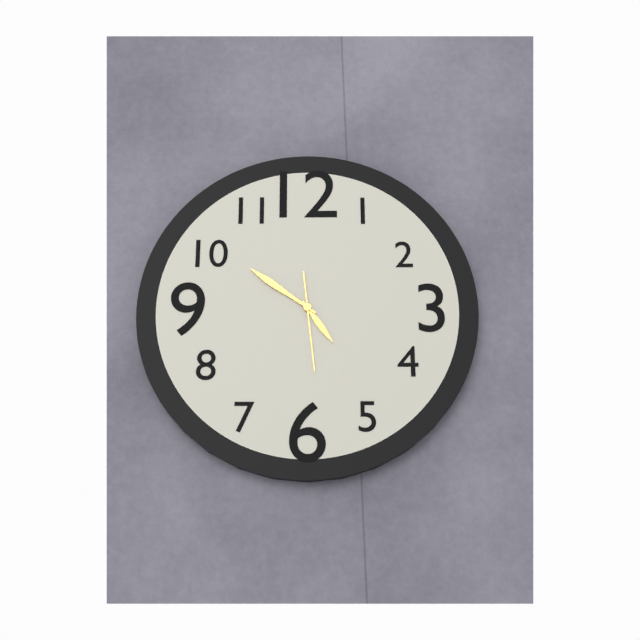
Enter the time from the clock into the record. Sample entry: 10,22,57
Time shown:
4,51,29
